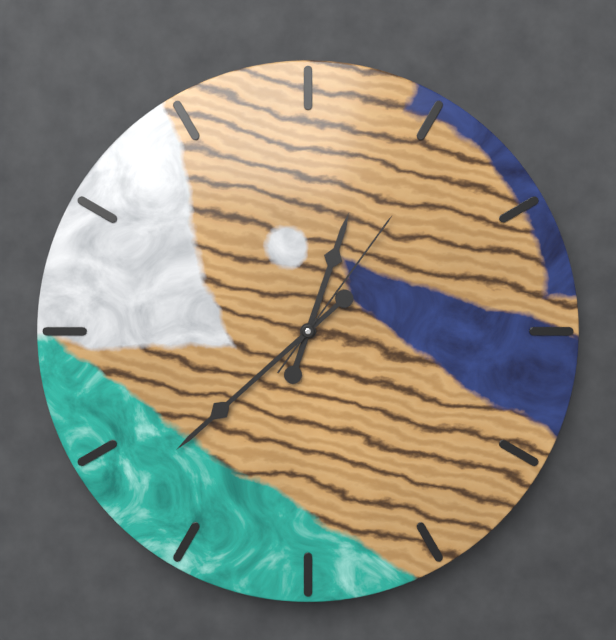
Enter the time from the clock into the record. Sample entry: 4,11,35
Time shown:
12,38,06
